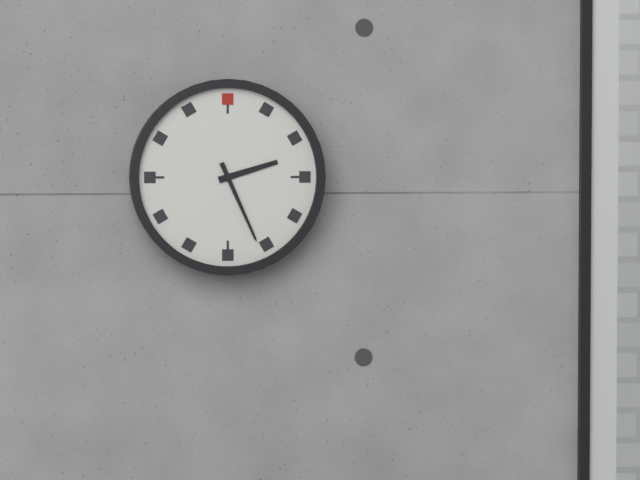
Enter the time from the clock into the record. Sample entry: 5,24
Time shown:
2,26
